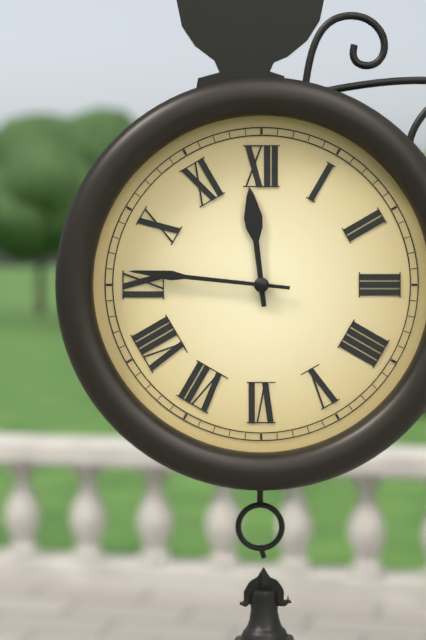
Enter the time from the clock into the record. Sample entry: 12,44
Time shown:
11,46
